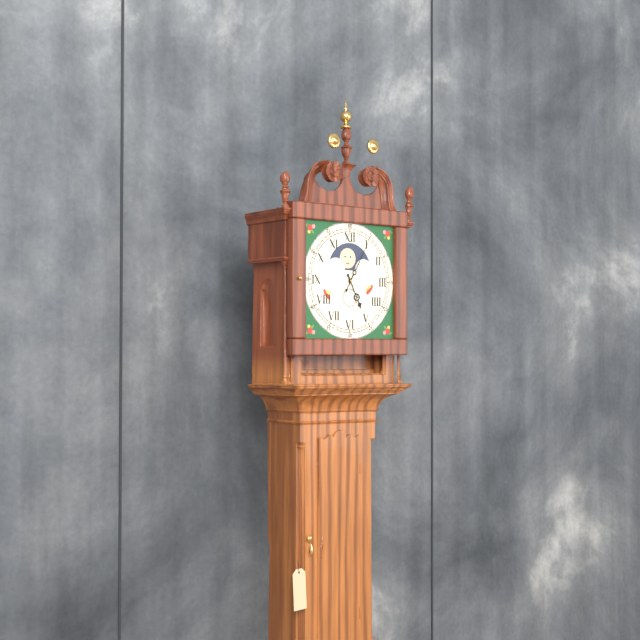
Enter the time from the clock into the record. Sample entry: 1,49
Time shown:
5,05
